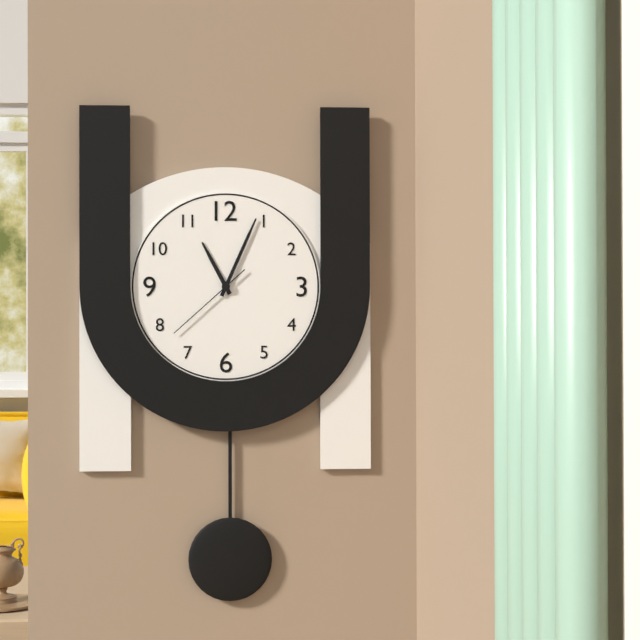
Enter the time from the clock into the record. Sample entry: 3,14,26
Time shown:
11,04,38
